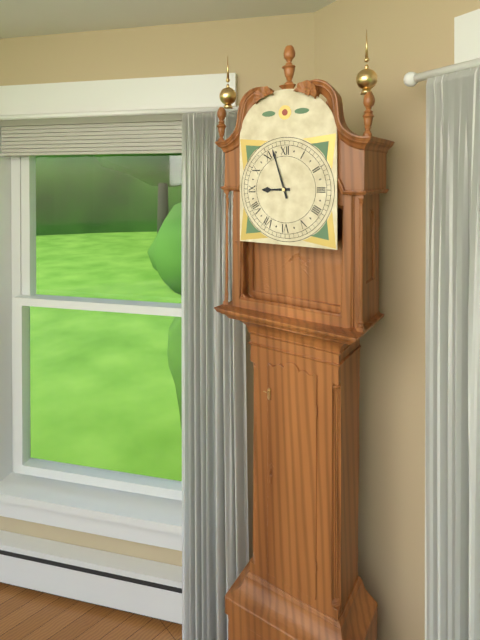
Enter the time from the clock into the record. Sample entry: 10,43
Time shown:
8,57
